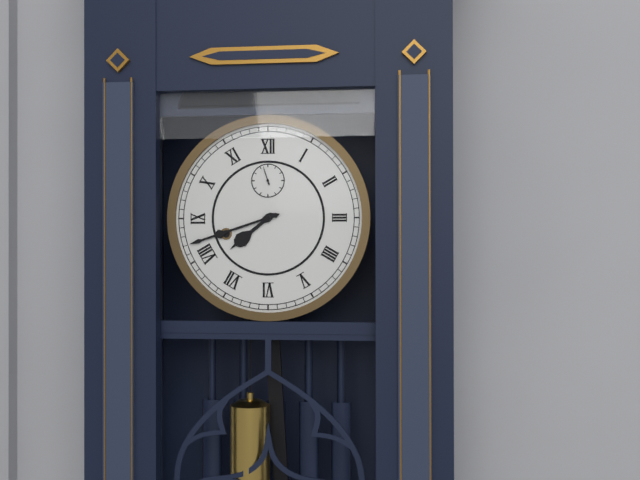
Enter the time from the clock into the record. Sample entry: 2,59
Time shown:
7,42
